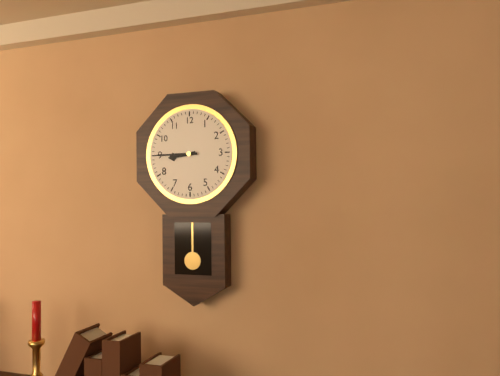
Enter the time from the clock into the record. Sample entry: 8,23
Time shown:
8,45
